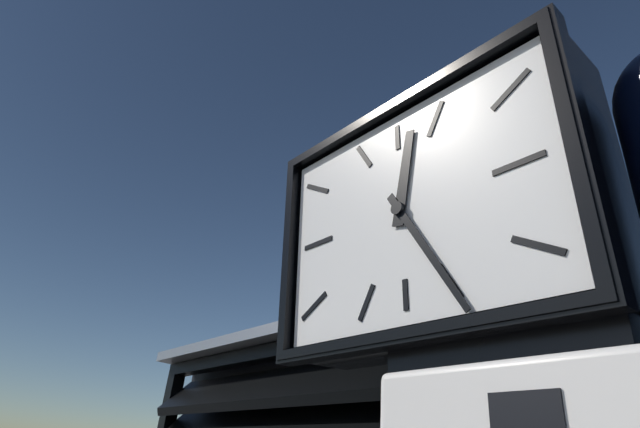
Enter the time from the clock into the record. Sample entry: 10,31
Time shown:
12,25
